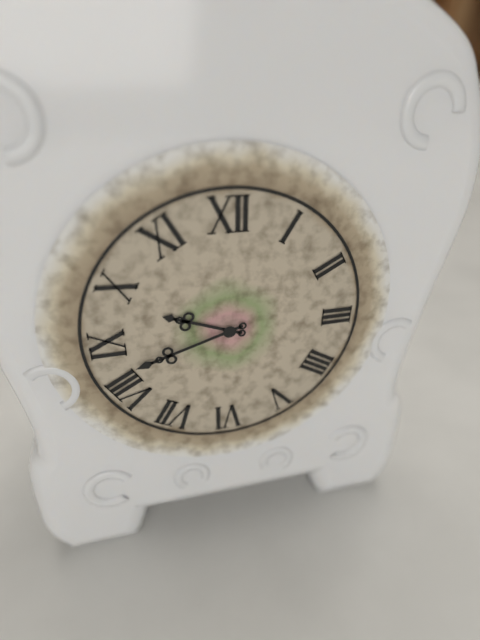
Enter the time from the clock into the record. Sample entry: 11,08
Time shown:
9,42
